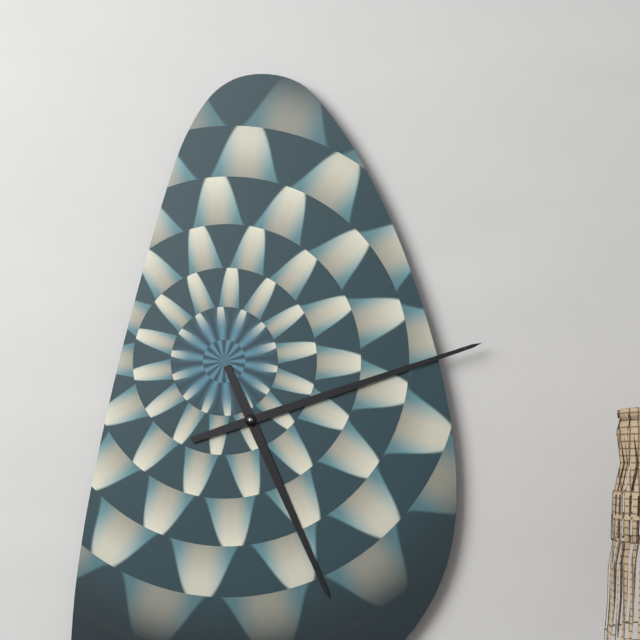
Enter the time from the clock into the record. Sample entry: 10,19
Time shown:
5,12
